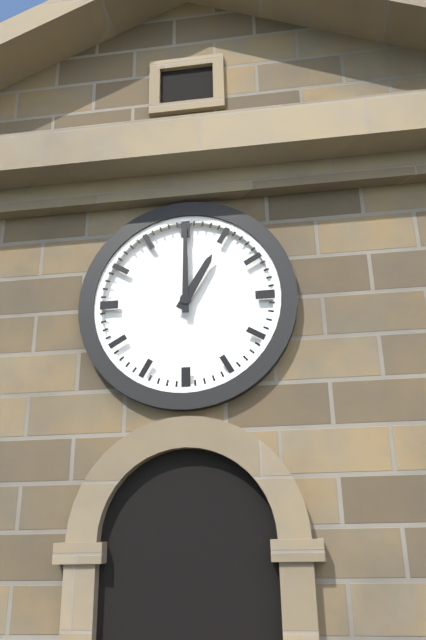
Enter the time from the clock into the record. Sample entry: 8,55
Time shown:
1,00
